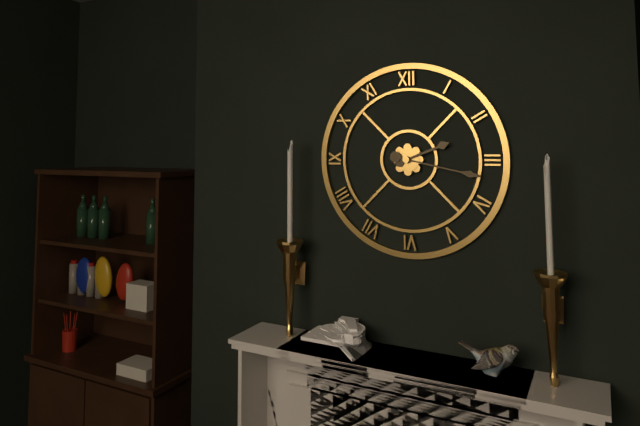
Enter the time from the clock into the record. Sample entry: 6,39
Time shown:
2,17
